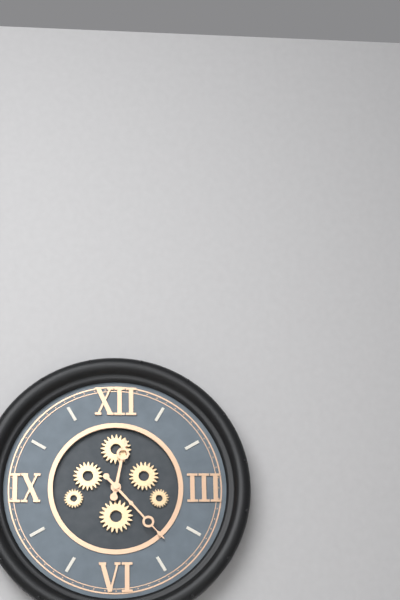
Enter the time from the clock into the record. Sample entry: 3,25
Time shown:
12,23
